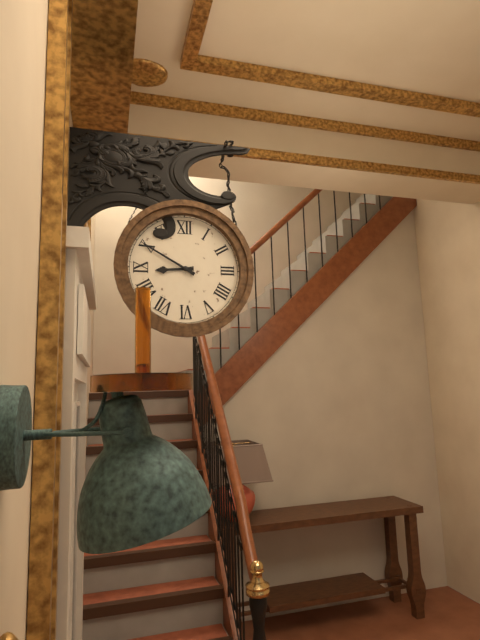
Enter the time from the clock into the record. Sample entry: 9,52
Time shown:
8,50
